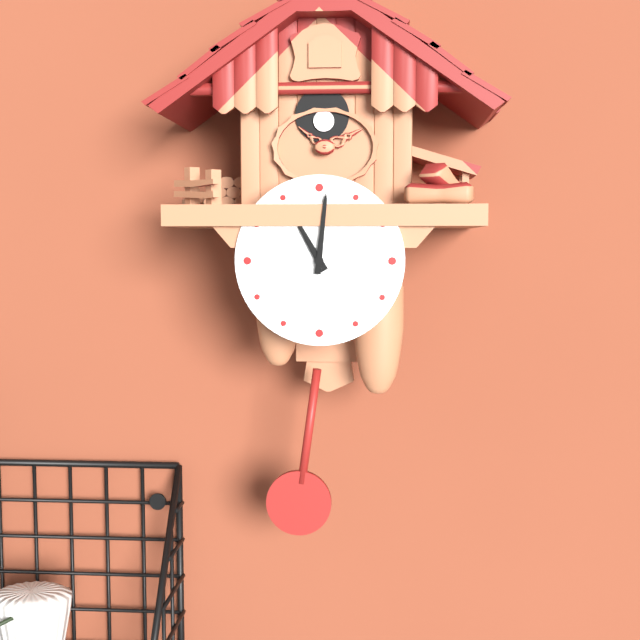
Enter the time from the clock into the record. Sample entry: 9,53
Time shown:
11,01
